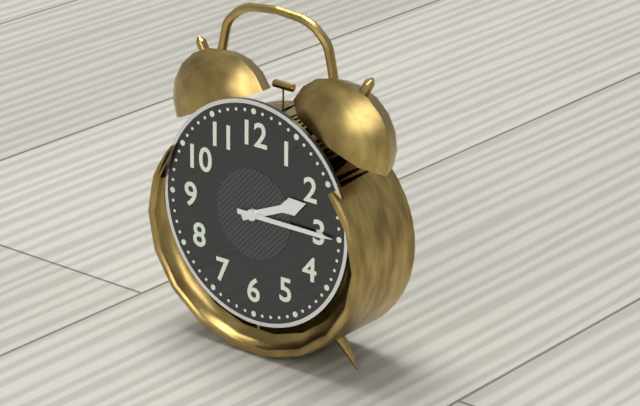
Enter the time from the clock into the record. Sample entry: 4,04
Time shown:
2,15
